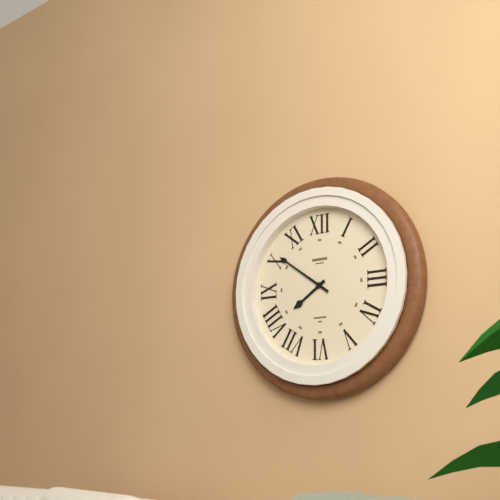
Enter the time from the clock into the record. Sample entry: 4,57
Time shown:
7,51
